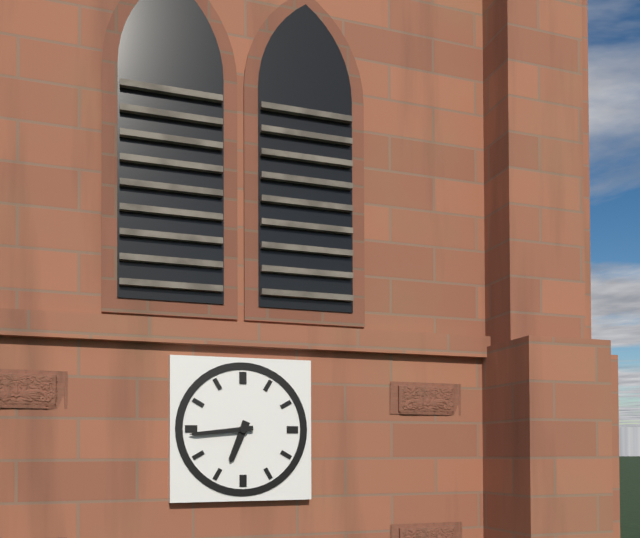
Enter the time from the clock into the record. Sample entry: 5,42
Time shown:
6,44
